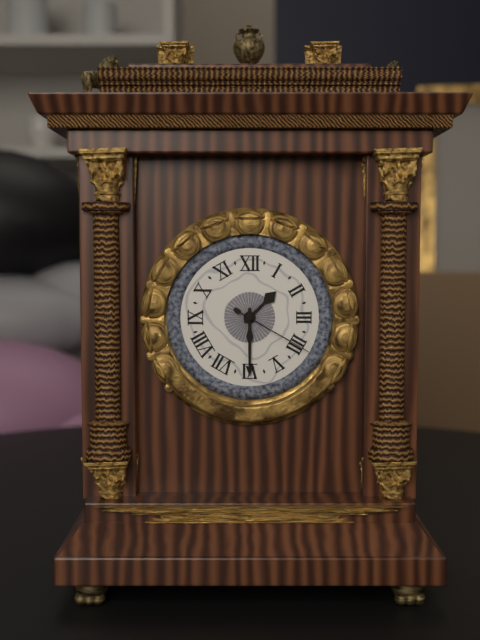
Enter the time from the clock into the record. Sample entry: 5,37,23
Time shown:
1,30,20
